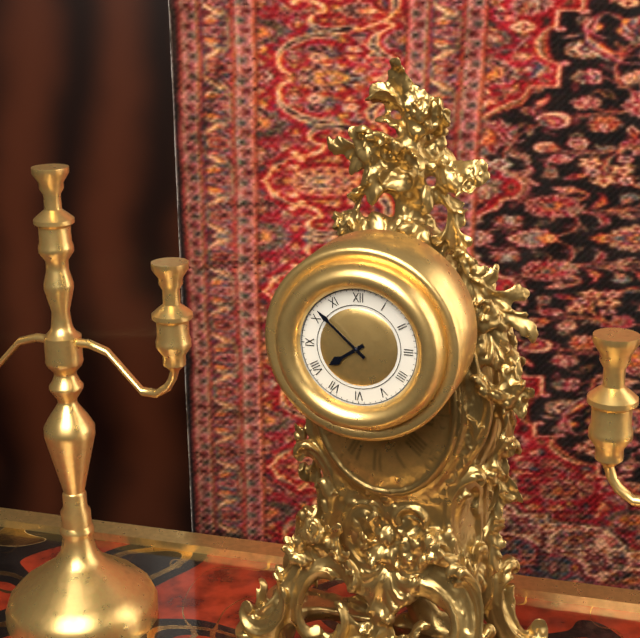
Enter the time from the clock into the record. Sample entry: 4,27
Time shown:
7,52
